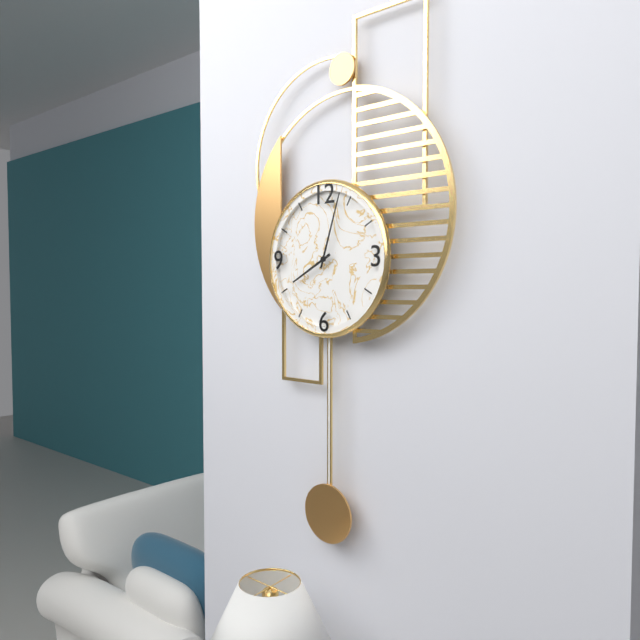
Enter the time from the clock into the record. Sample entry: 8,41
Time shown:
8,03
